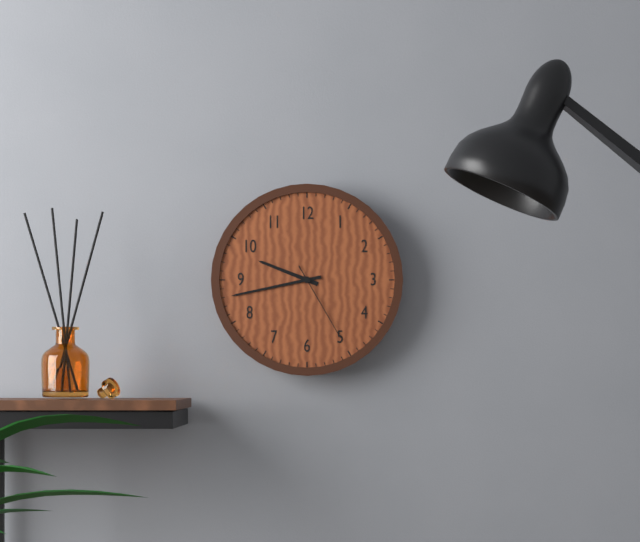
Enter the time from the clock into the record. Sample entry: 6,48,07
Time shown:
9,43,25
